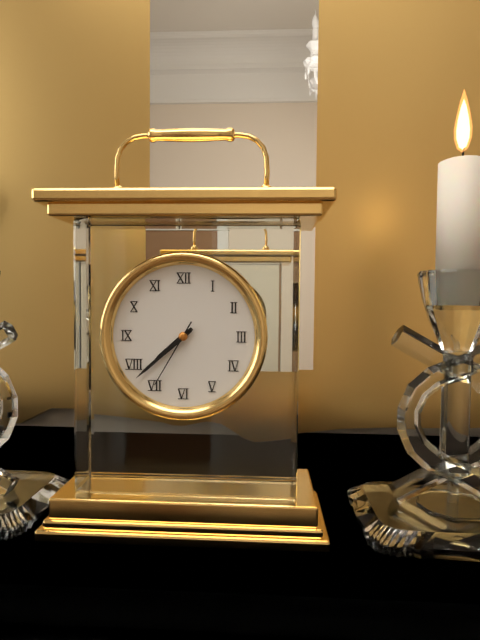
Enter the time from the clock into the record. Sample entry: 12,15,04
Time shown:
7,38,35
